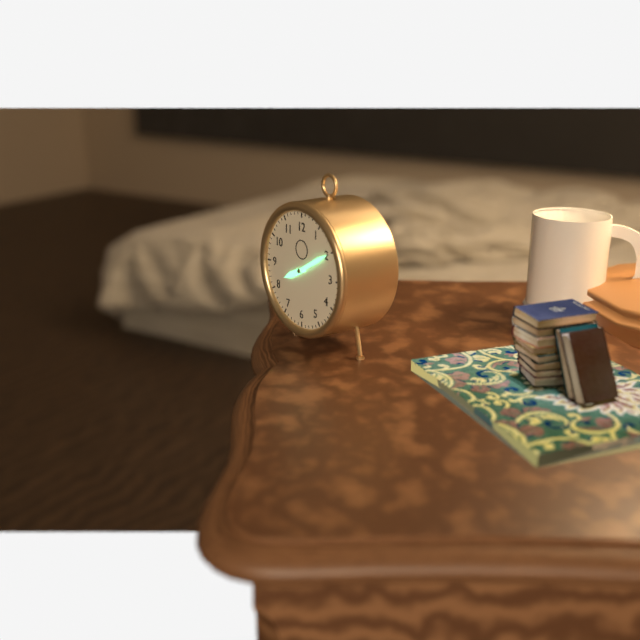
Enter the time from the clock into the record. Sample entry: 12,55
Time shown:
8,10
